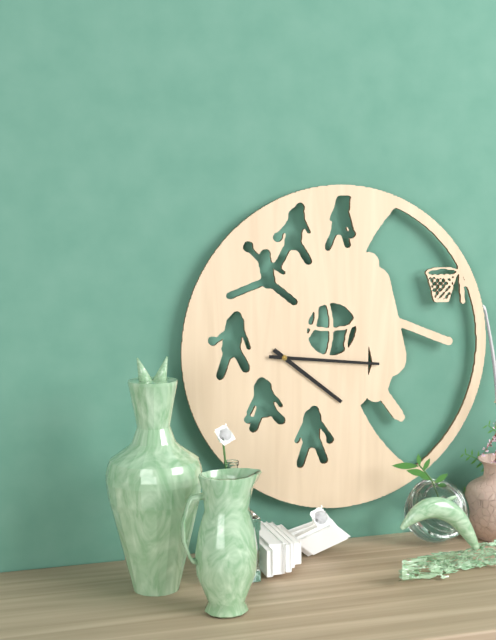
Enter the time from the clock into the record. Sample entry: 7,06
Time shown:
4,16
